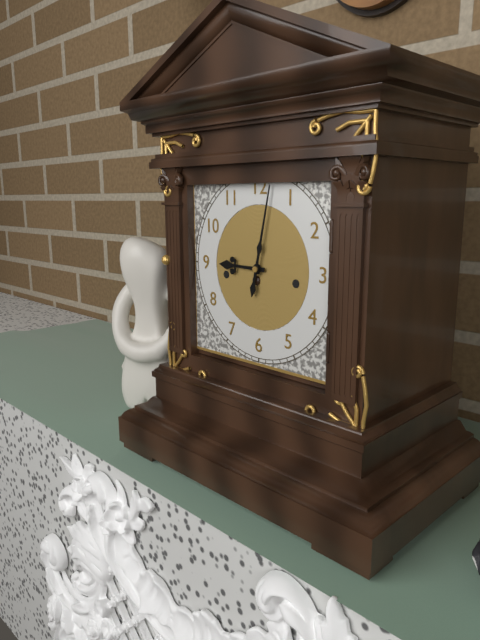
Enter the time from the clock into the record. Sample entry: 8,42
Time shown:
9,02
